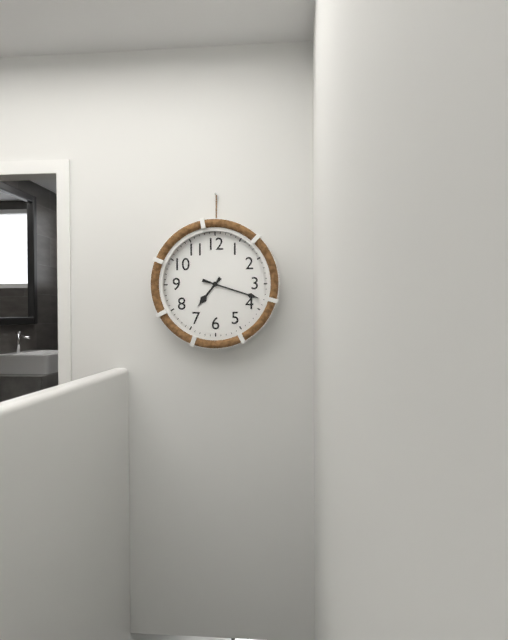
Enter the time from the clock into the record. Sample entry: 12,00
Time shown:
7,18
